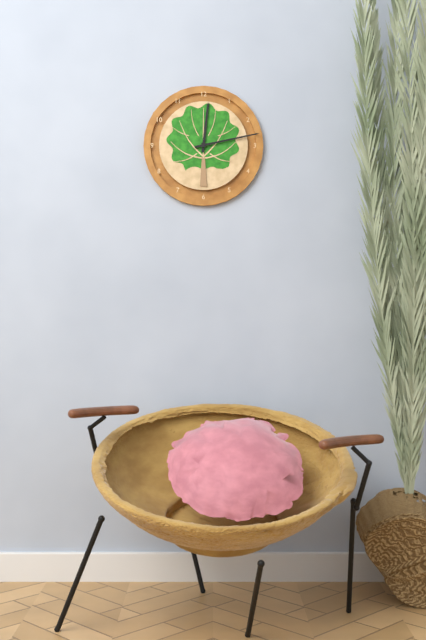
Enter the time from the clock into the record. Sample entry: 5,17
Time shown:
12,13
